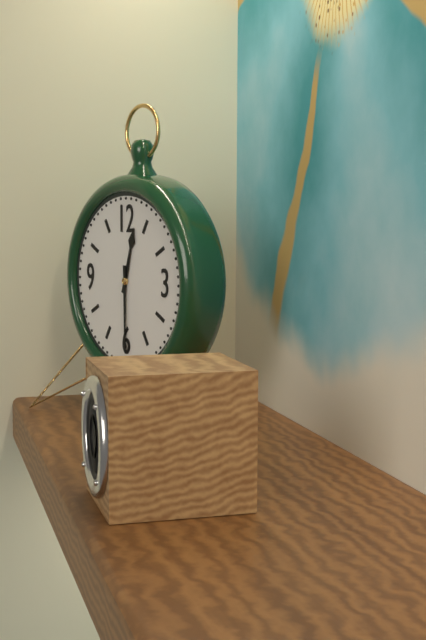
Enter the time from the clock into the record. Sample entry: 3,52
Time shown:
12,30
